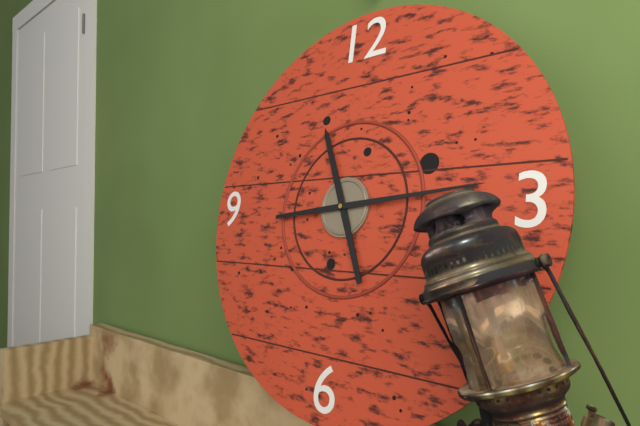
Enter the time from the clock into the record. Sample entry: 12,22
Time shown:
11,14
